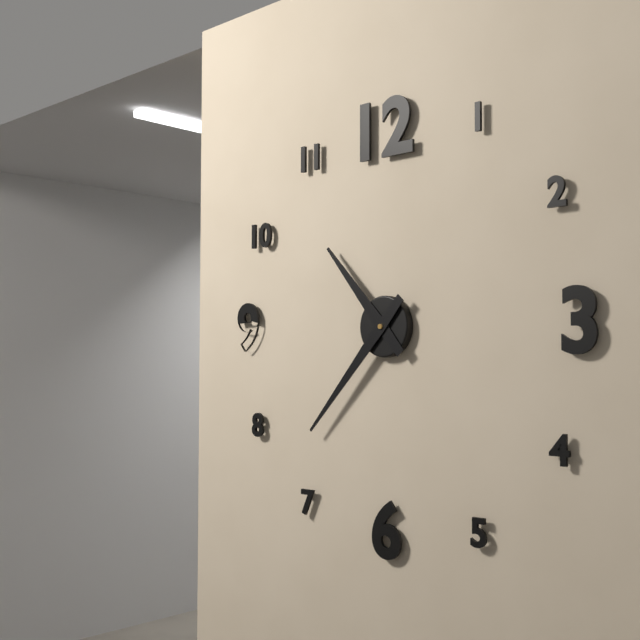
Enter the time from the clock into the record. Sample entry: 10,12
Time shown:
10,37
